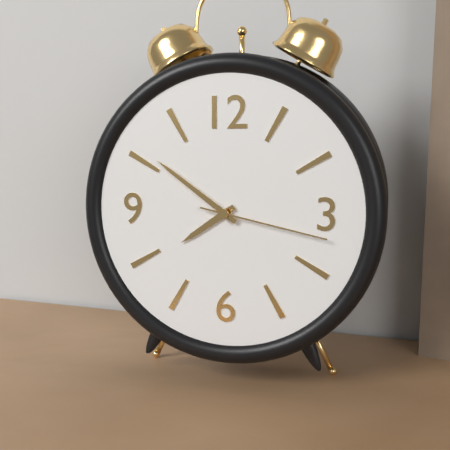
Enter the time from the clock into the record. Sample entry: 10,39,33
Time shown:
7,51,17
